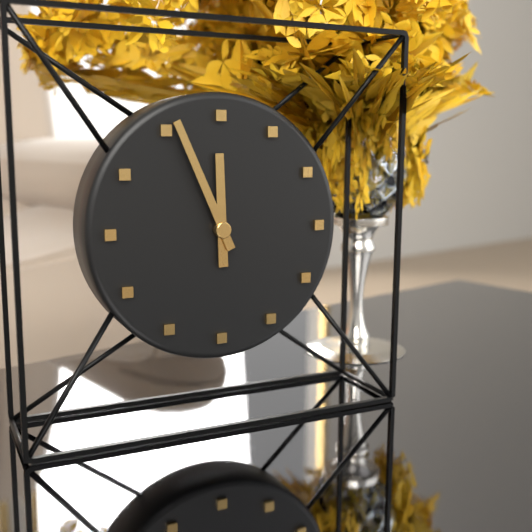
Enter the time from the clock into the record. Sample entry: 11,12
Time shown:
11,56
